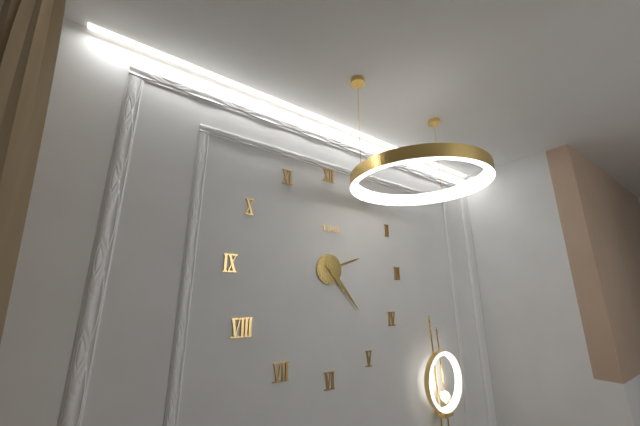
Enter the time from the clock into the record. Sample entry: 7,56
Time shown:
2,23
